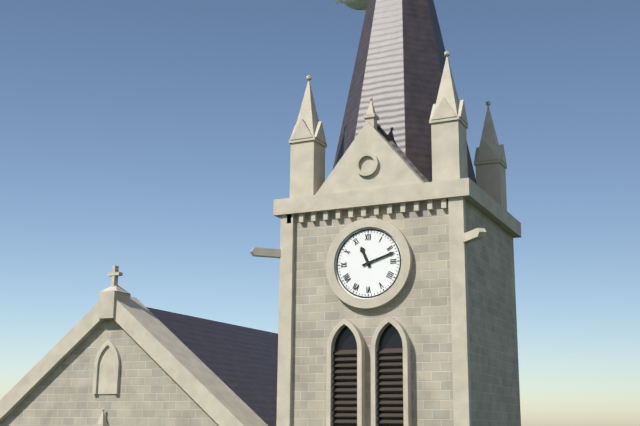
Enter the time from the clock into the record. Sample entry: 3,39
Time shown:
11,12
